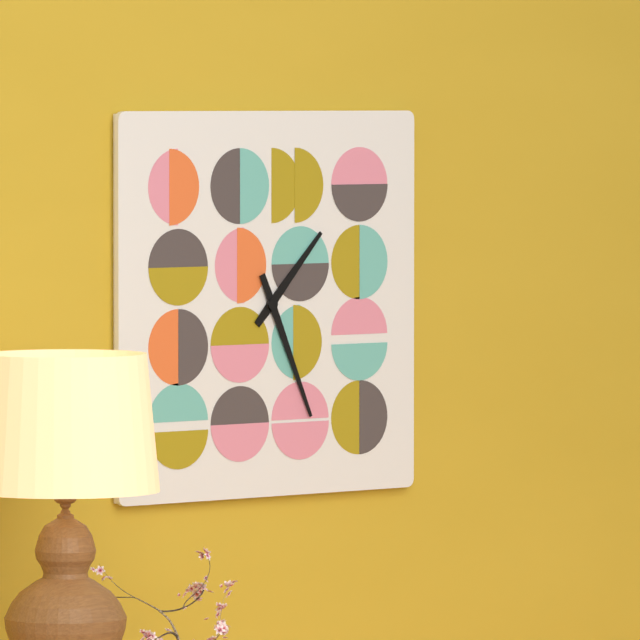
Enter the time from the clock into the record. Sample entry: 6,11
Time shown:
1,26
